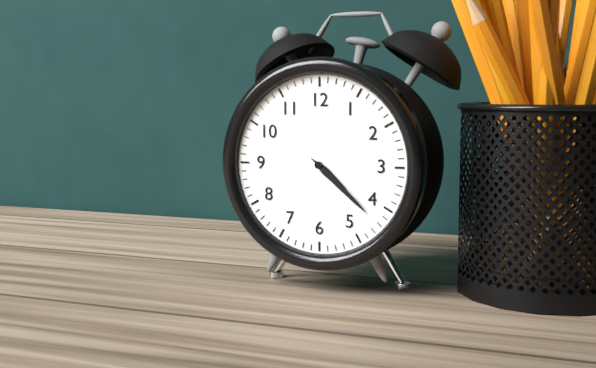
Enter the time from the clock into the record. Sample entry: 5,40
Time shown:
4,22
